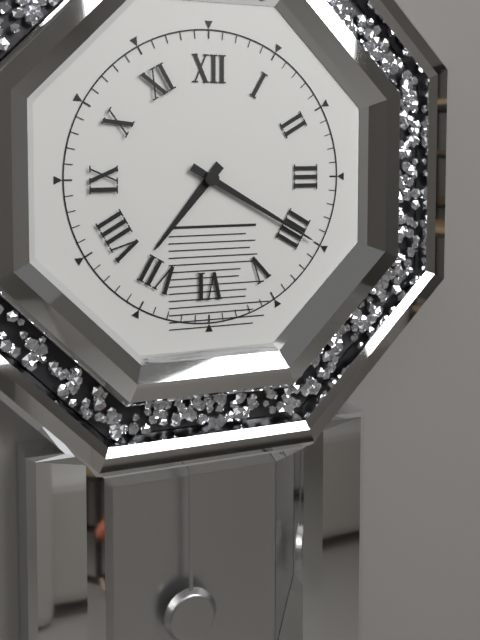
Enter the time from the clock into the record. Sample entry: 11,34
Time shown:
7,20
